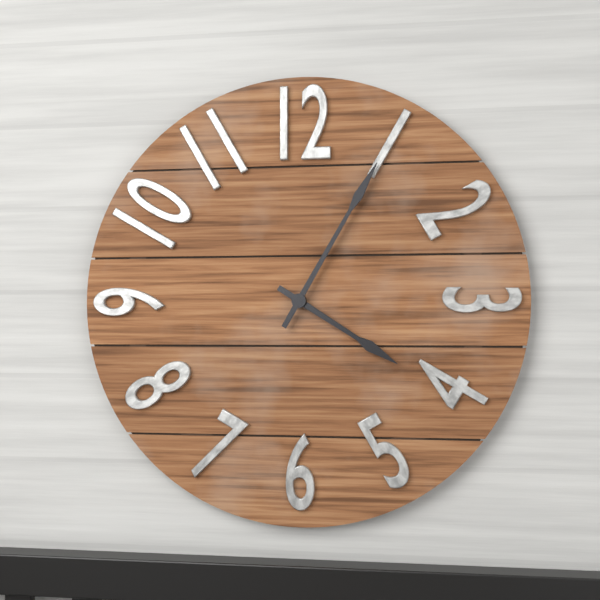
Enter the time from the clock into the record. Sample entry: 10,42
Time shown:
4,05
